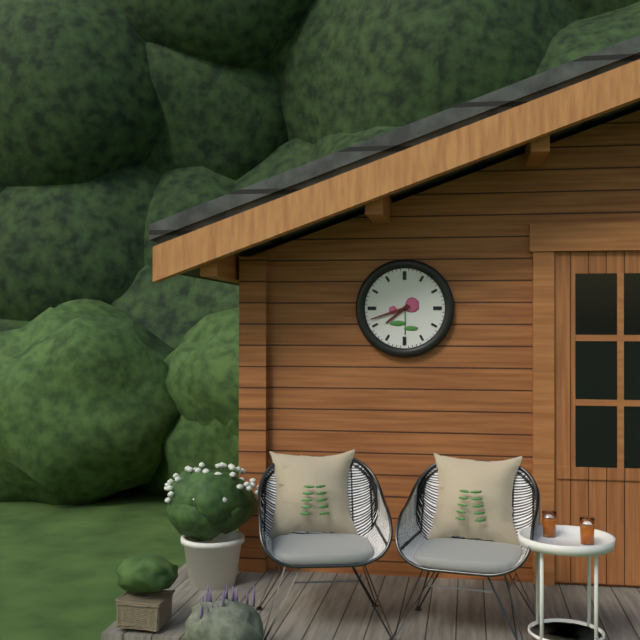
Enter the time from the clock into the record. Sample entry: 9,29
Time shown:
7,42
